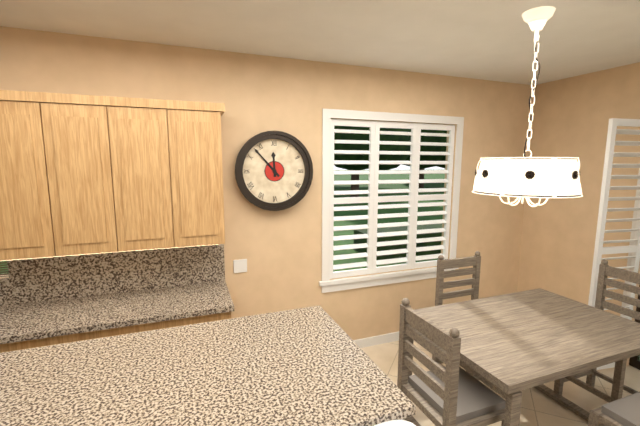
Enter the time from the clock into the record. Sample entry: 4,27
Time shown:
11,53
